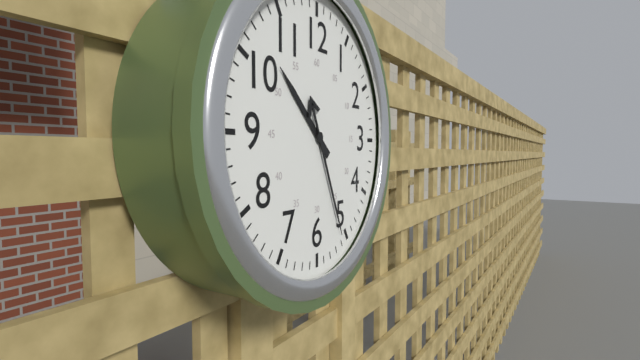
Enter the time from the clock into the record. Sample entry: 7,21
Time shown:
10,26
